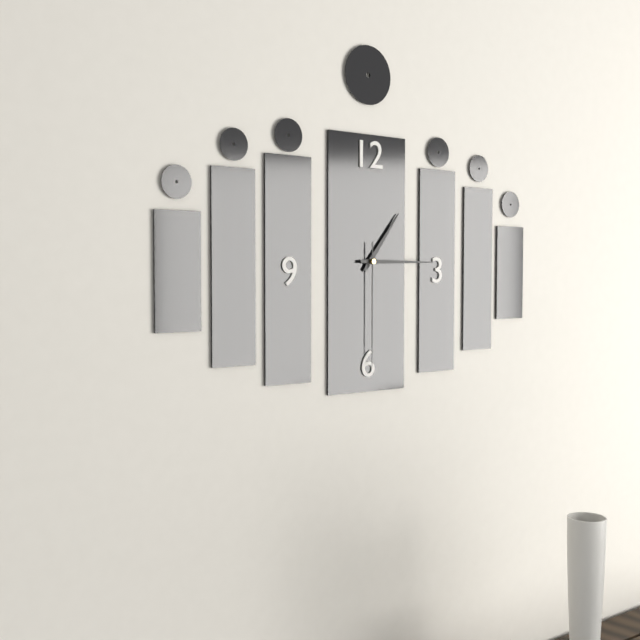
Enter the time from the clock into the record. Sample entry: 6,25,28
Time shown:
1,15,30
